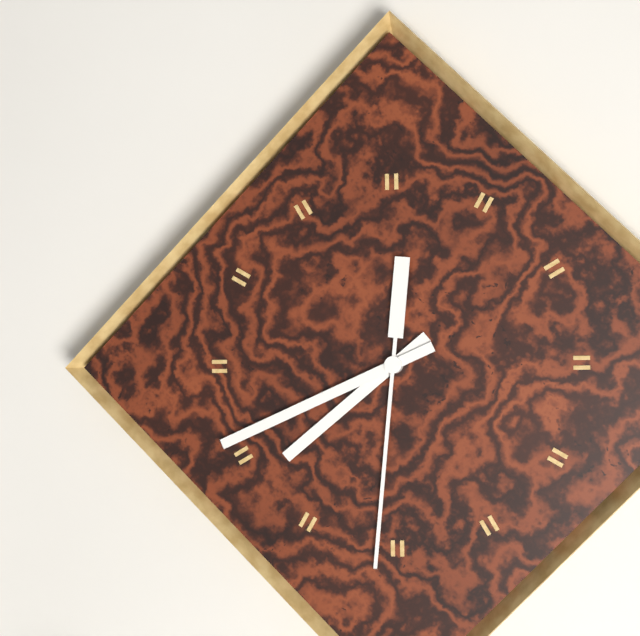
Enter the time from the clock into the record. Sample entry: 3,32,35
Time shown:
7,41,31
